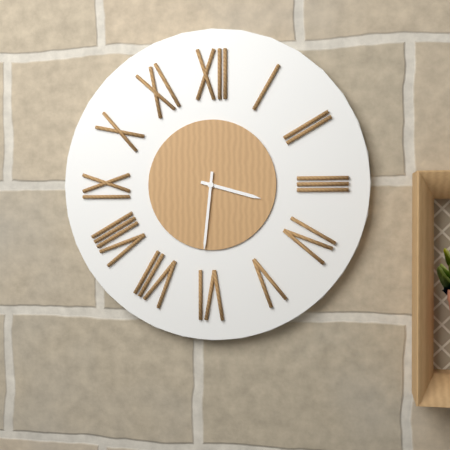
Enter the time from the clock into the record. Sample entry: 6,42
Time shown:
3,31
